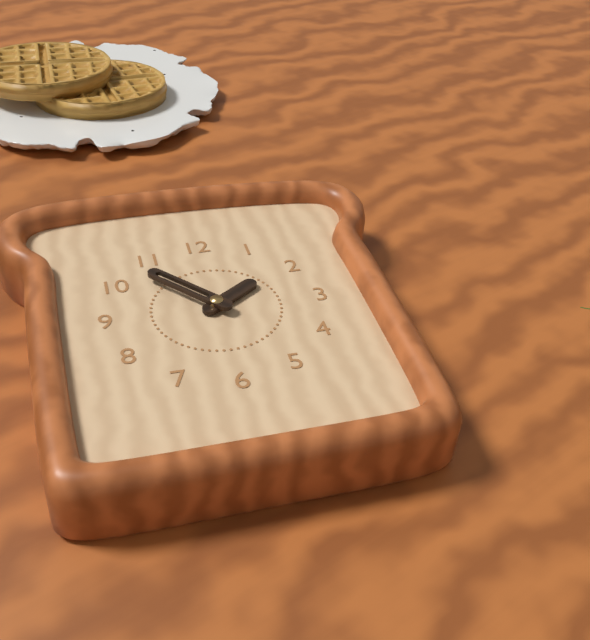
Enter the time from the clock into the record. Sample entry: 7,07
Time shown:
1,53
